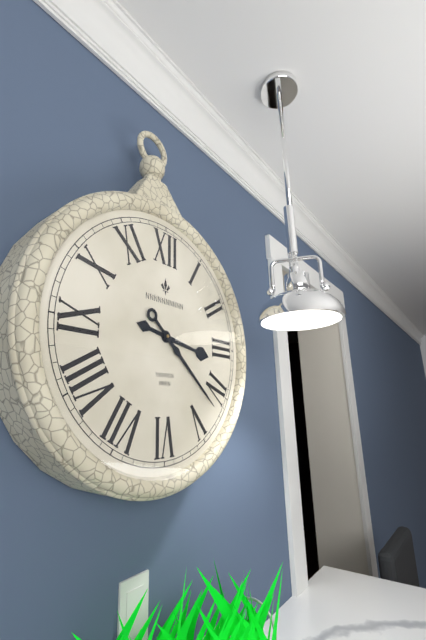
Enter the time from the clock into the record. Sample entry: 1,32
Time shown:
3,22
